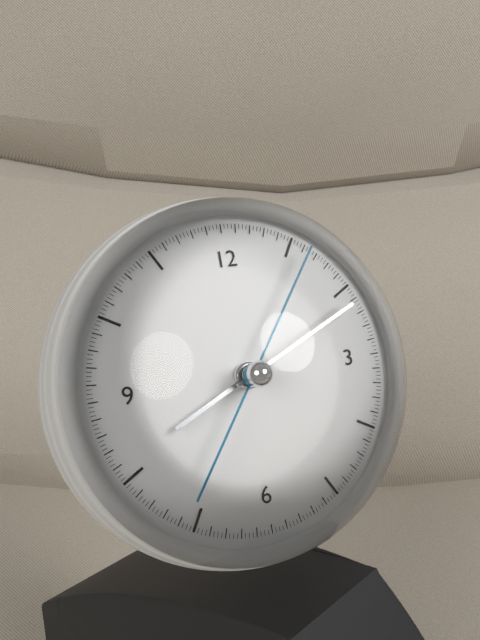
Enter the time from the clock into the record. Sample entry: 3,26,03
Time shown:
8,11,06
